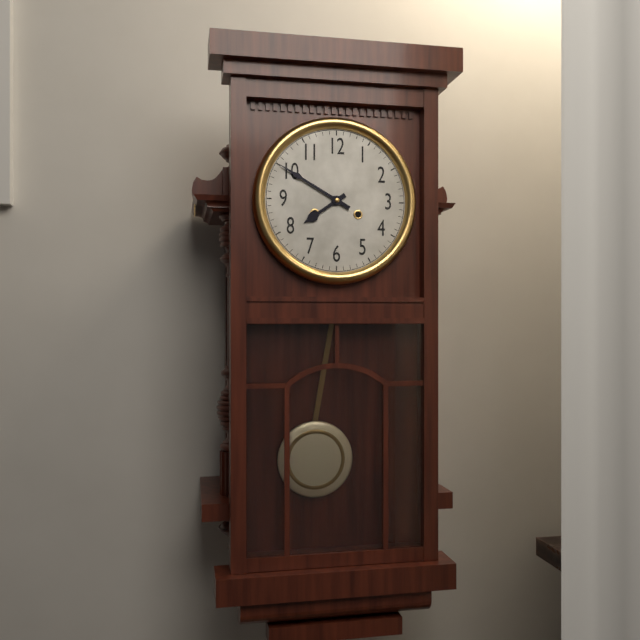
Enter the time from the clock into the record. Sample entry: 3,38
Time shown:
7,50
